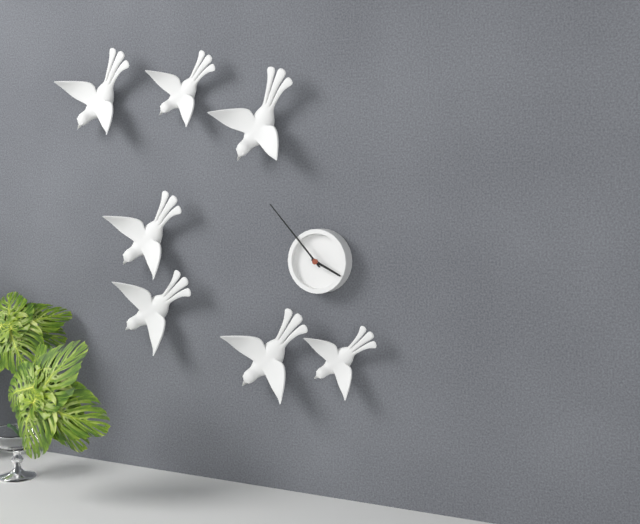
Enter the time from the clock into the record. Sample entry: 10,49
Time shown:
3,53
